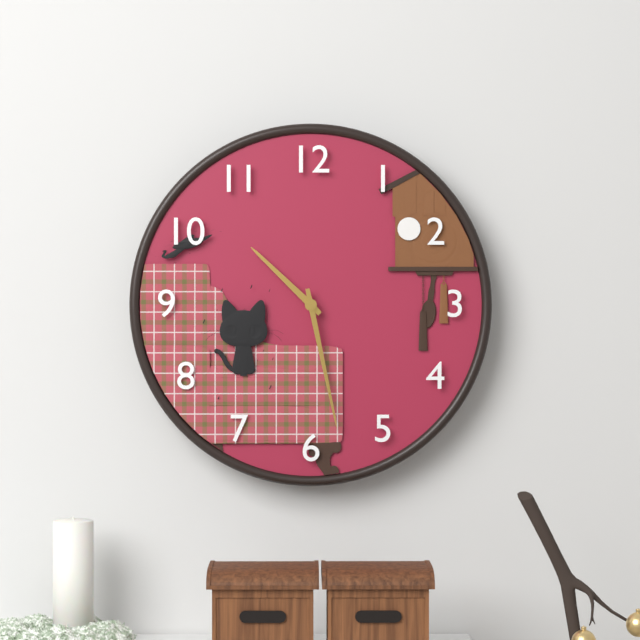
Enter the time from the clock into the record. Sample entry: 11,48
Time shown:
10,28
